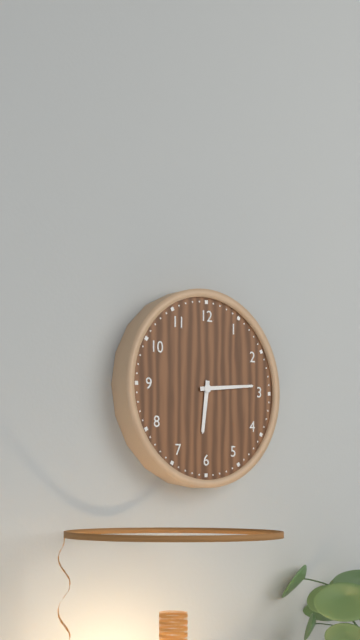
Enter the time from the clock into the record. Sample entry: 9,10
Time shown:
6,14
